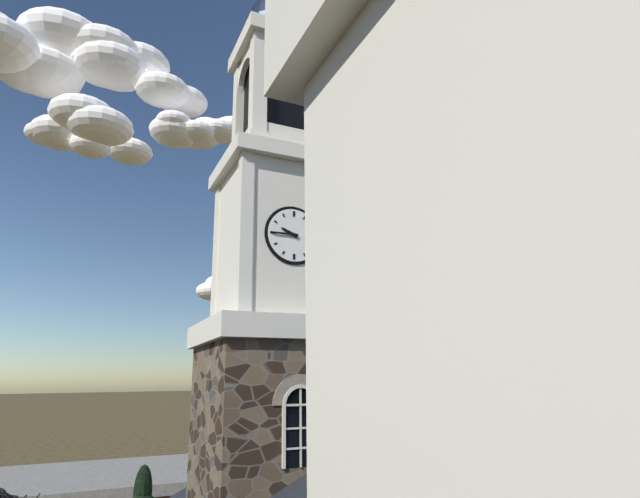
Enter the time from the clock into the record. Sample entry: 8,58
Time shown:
9,45
